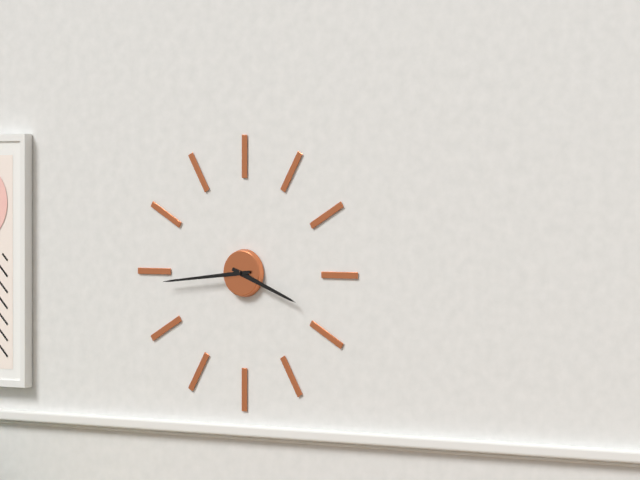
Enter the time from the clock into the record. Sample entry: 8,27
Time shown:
3,44
